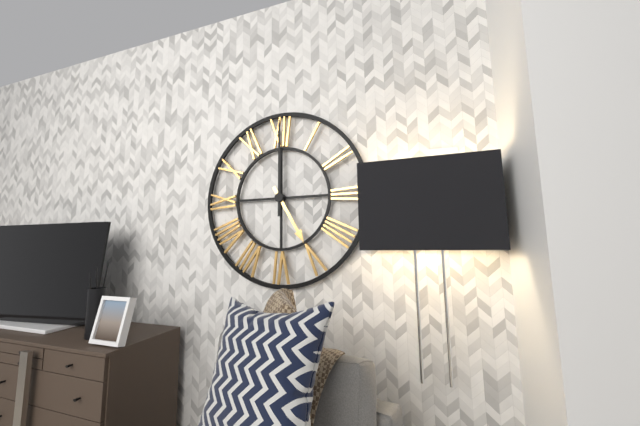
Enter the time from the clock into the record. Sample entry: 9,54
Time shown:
5,00
